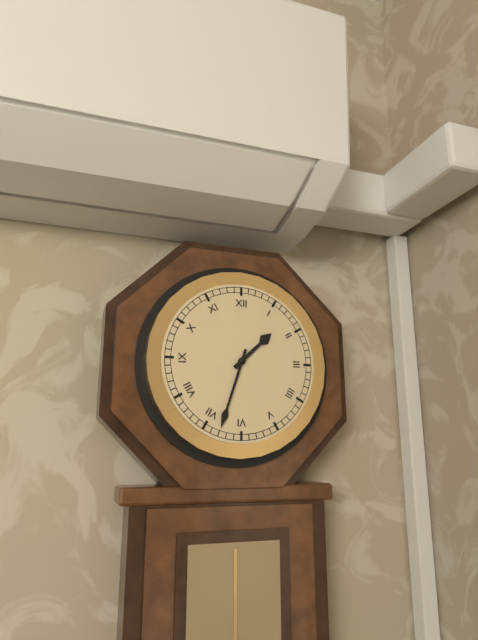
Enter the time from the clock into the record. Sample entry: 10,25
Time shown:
1,33
